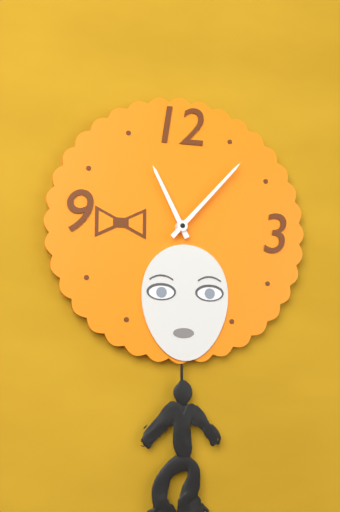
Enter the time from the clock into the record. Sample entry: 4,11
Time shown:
11,07
